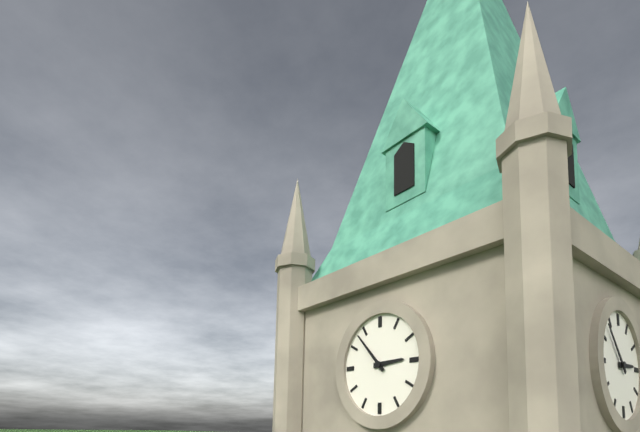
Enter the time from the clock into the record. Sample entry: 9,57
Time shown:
2,53
